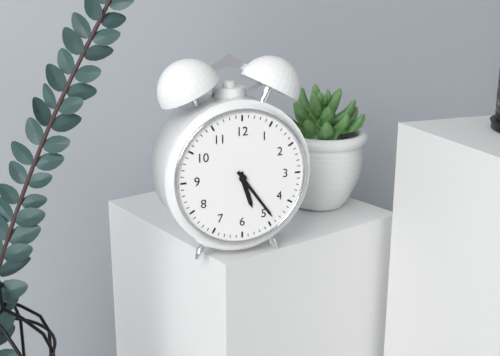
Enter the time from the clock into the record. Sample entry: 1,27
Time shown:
5,24
